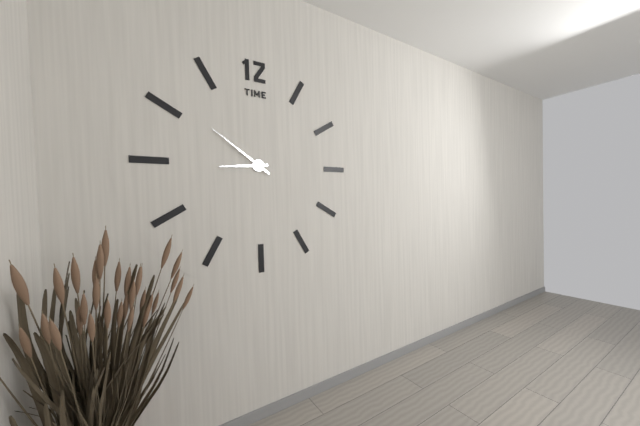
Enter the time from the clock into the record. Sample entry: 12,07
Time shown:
8,51
